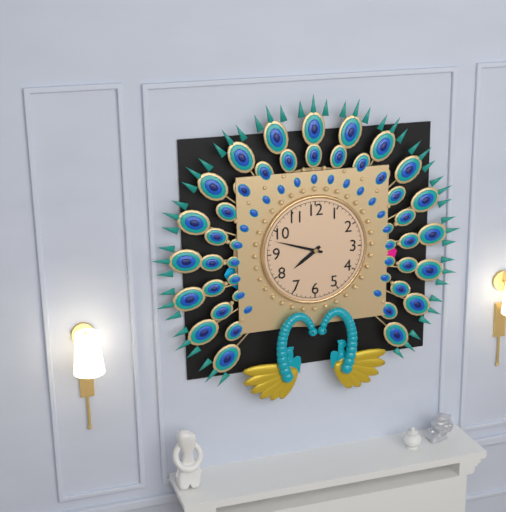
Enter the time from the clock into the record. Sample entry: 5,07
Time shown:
7,48
